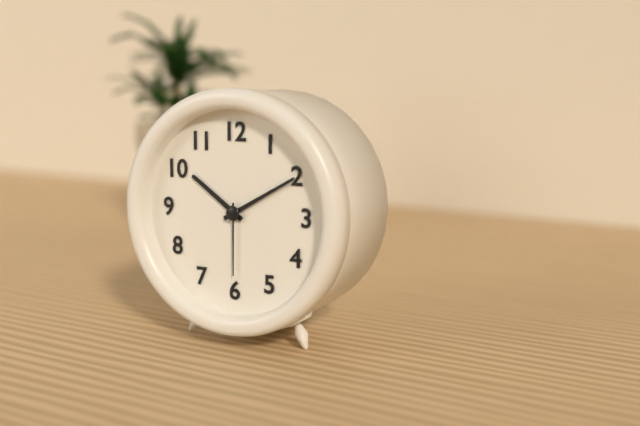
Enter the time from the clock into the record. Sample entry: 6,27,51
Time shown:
10,10,30
